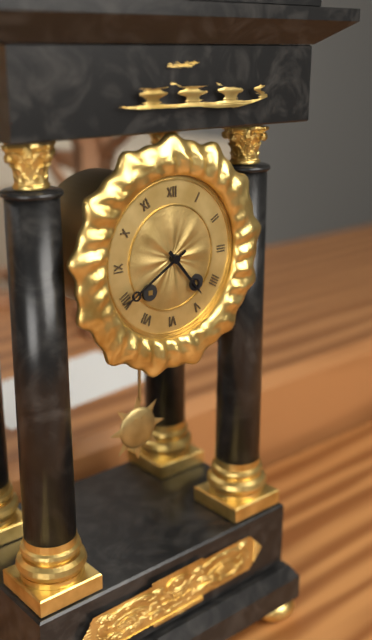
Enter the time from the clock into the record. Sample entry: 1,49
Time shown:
4,40
